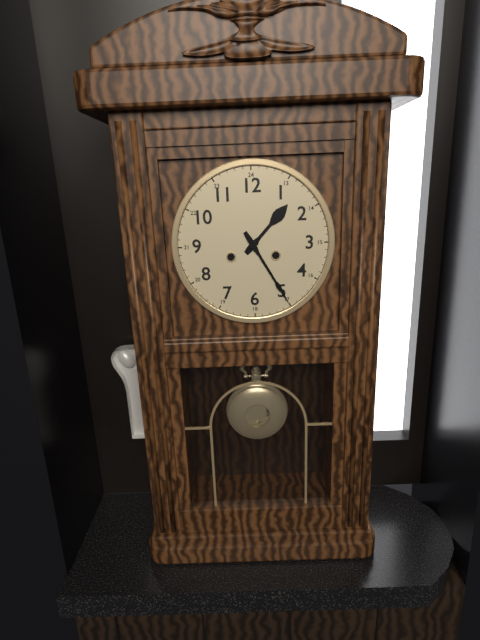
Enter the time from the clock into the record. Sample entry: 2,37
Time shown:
1,25
